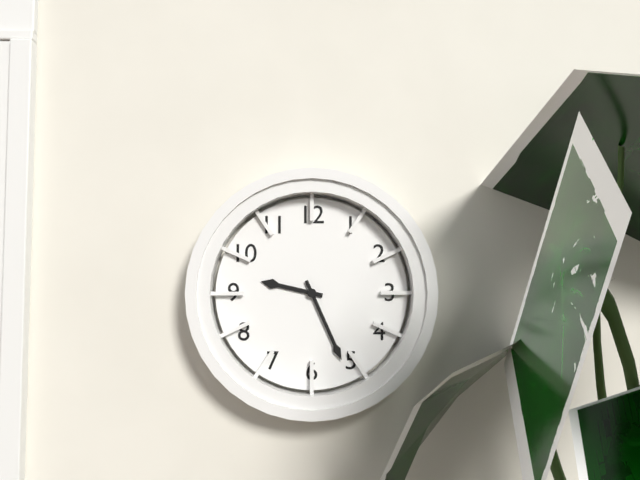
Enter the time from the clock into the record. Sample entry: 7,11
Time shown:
9,26
